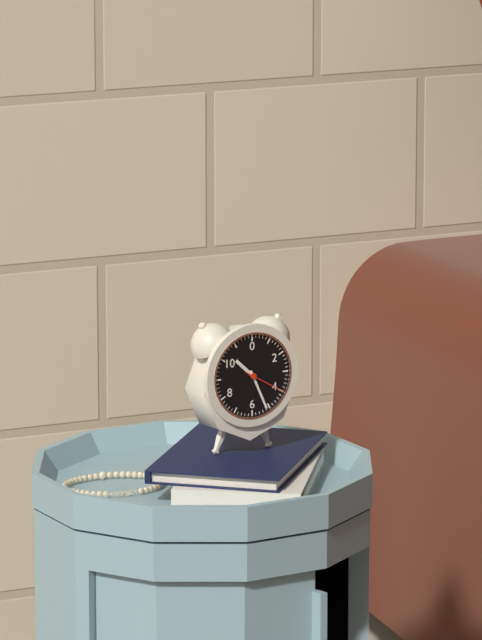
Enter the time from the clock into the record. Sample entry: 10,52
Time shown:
10,26
